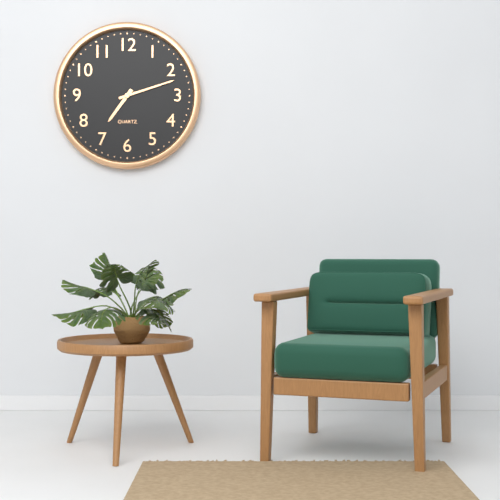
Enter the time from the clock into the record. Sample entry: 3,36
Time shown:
7,12
